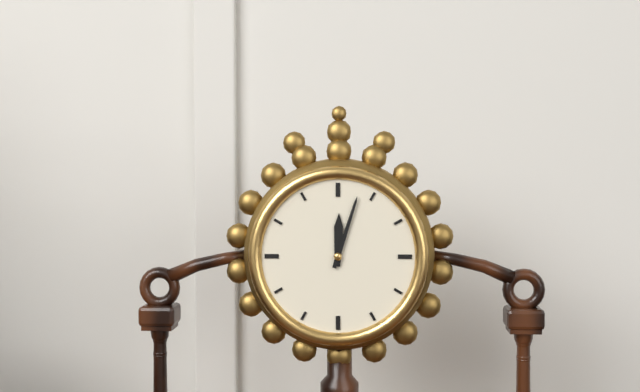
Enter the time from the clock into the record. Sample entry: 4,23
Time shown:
12,03
